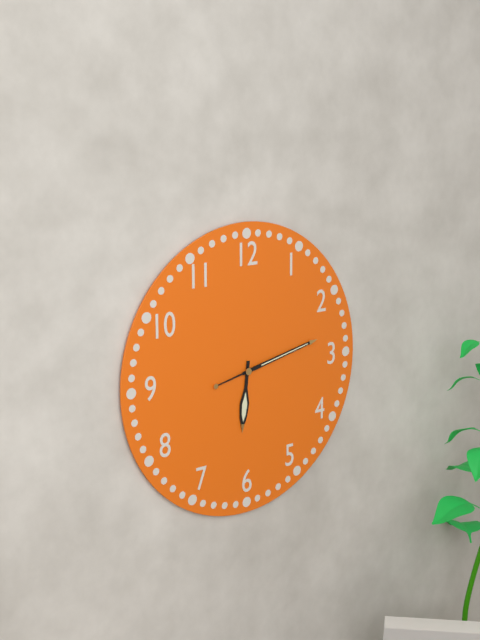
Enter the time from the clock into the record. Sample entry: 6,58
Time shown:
6,13
